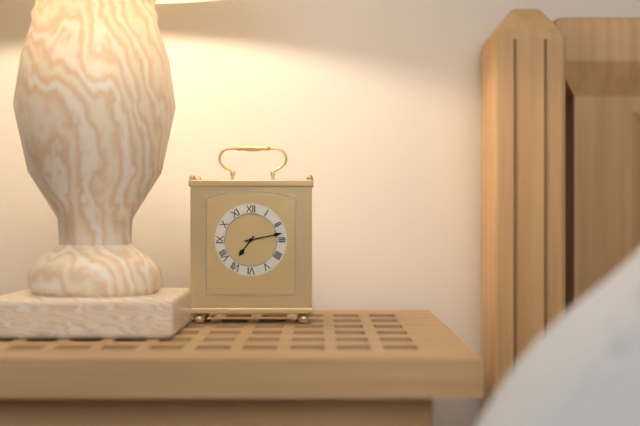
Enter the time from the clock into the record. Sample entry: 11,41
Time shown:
7,13
